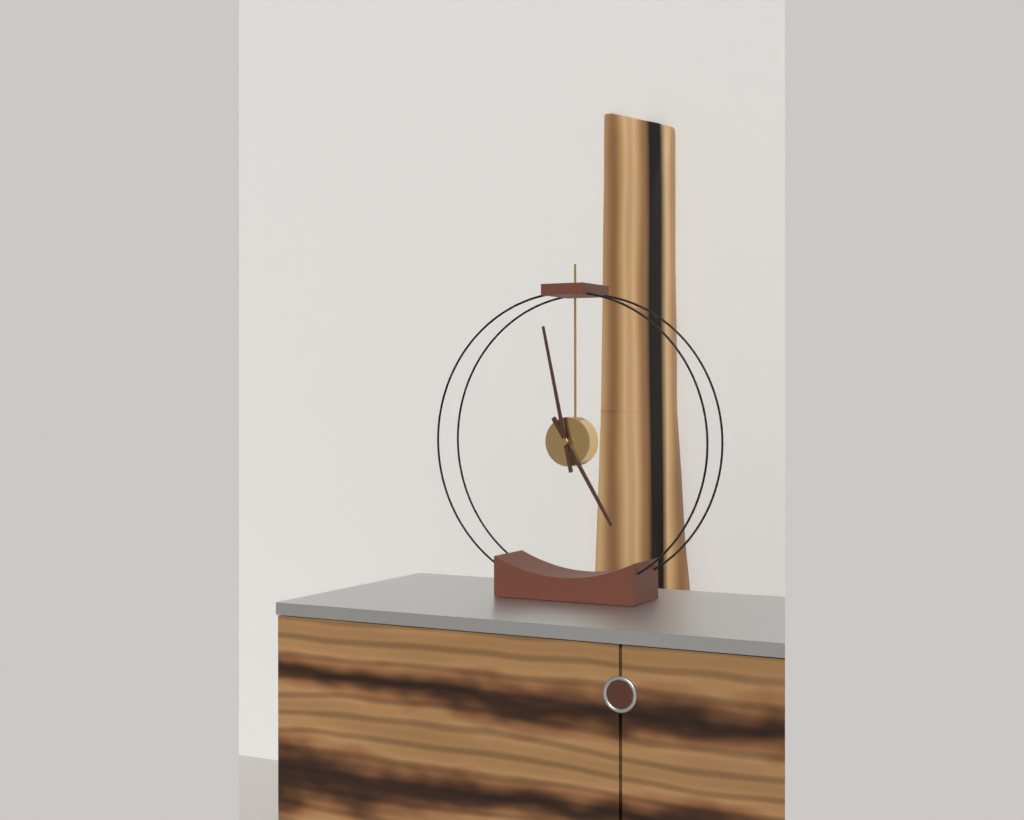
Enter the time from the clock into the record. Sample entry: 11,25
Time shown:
4,58
